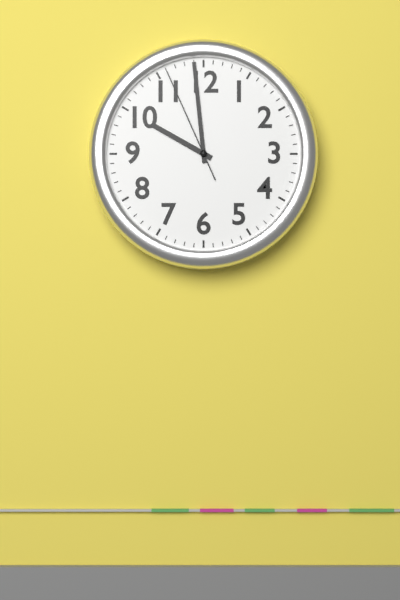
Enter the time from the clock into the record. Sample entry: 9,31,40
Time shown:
9,59,56
